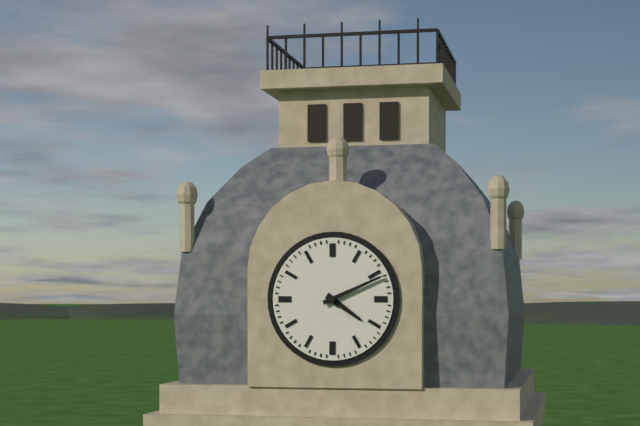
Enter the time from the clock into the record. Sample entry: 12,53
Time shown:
4,11
